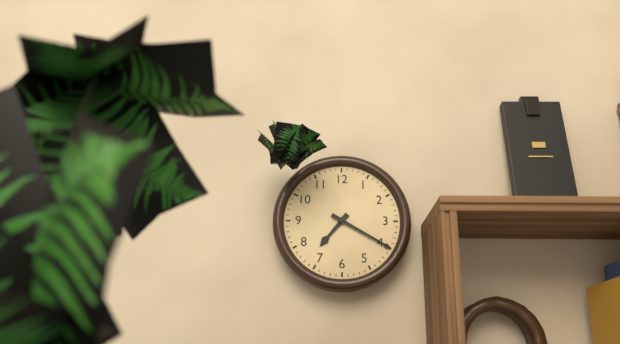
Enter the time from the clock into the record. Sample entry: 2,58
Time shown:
7,20
